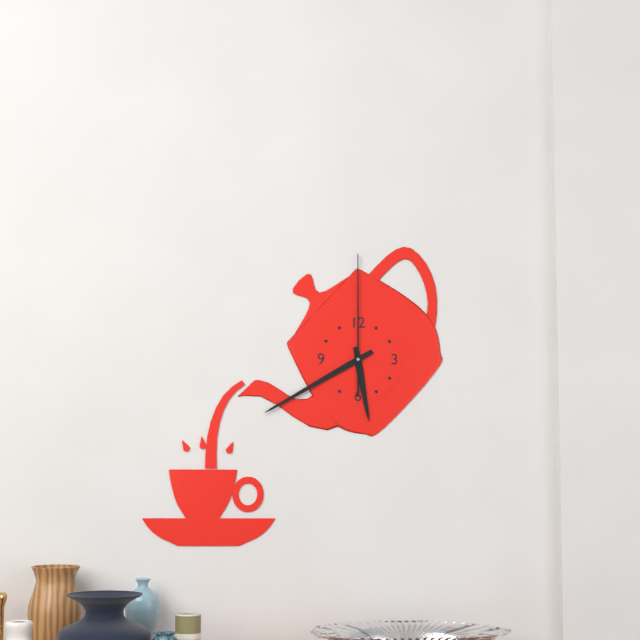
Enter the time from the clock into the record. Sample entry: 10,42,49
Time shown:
5,40,00
